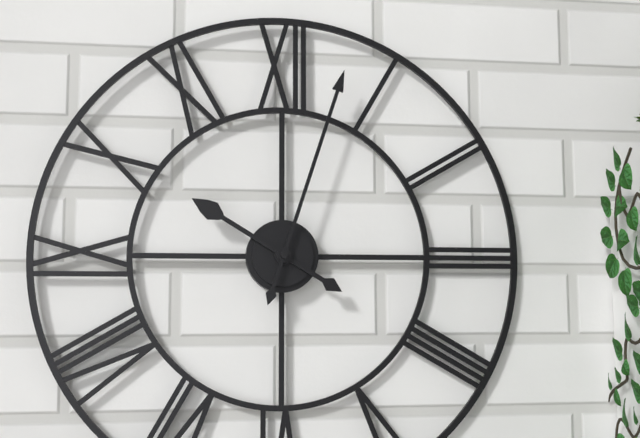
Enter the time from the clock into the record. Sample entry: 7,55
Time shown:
10,03
